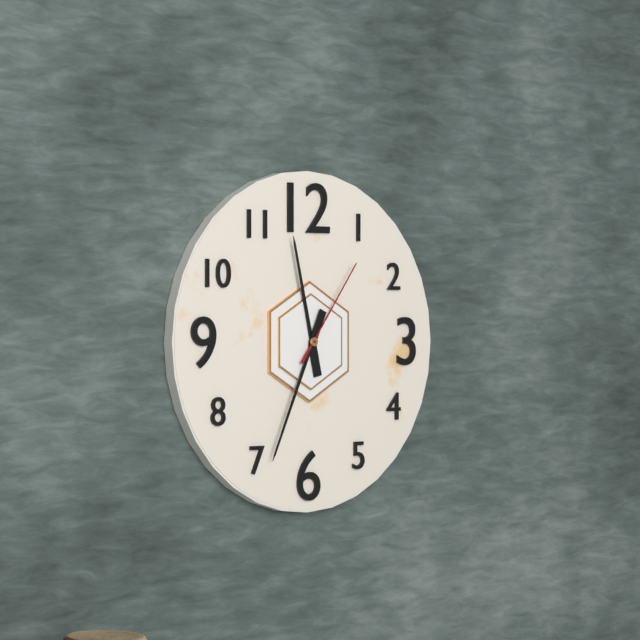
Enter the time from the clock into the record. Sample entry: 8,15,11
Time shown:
11,34,06
